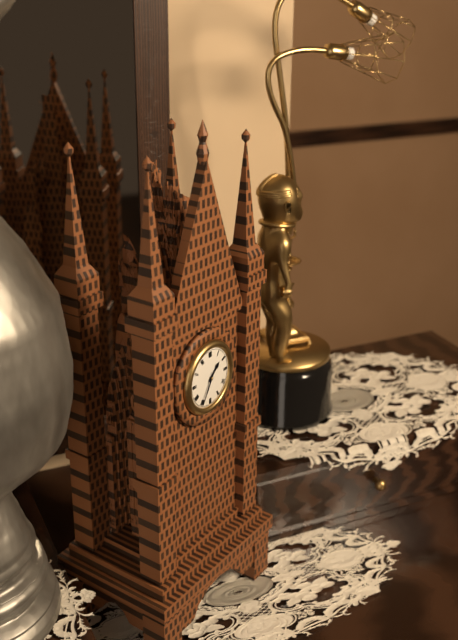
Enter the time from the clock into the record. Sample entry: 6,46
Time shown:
1,35
